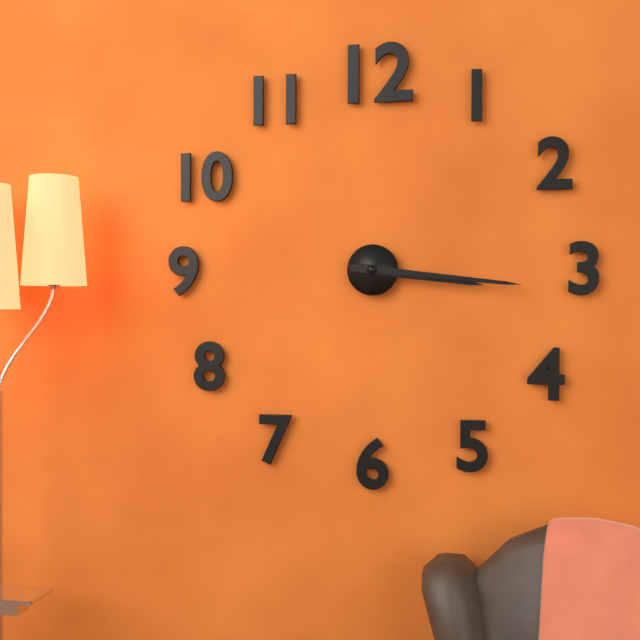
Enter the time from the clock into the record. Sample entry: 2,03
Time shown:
3,16
